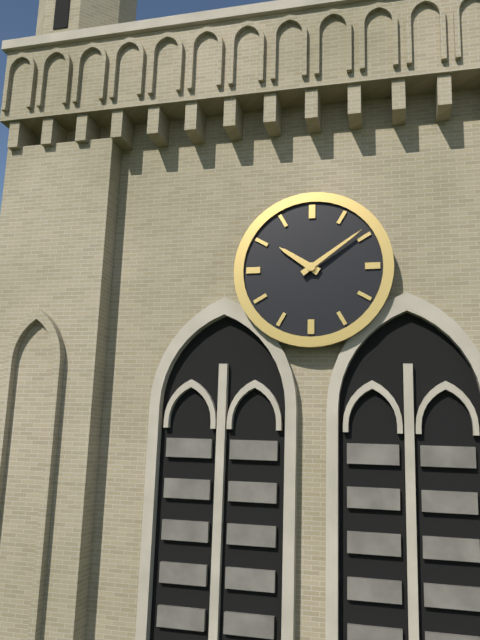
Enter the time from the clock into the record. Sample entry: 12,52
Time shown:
10,09
